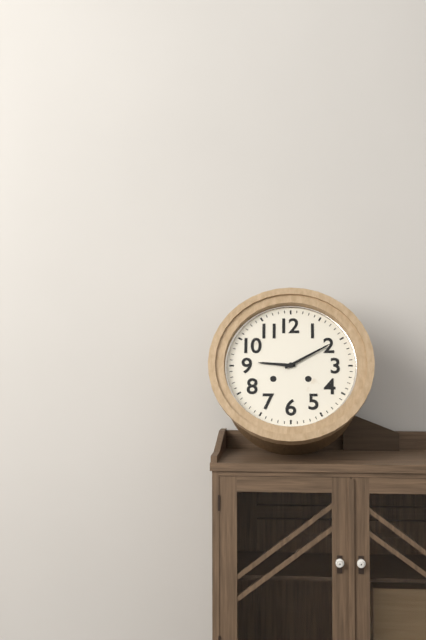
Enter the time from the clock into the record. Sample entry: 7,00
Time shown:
9,10
